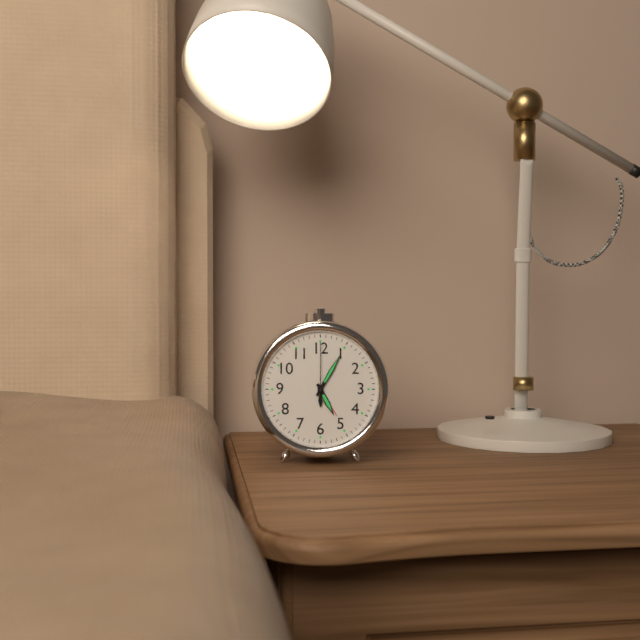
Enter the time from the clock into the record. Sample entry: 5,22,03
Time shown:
5,05,00
